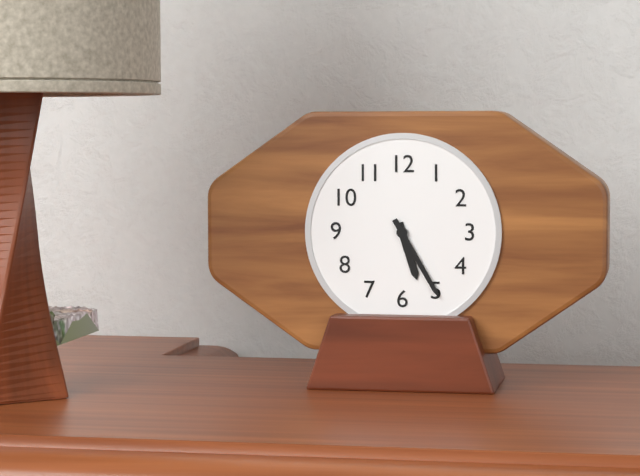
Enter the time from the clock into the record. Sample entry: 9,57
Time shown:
5,25
